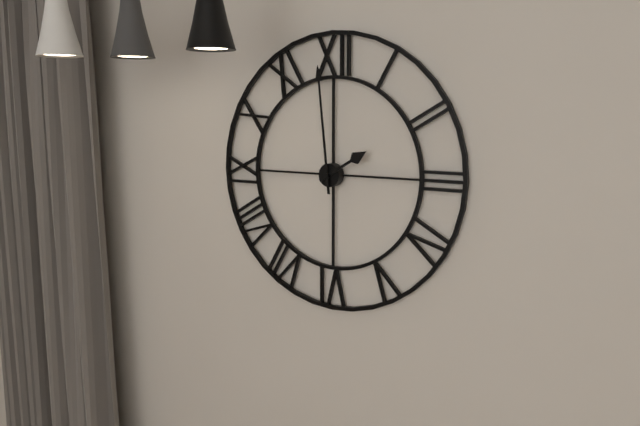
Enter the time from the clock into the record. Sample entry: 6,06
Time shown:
1,59
